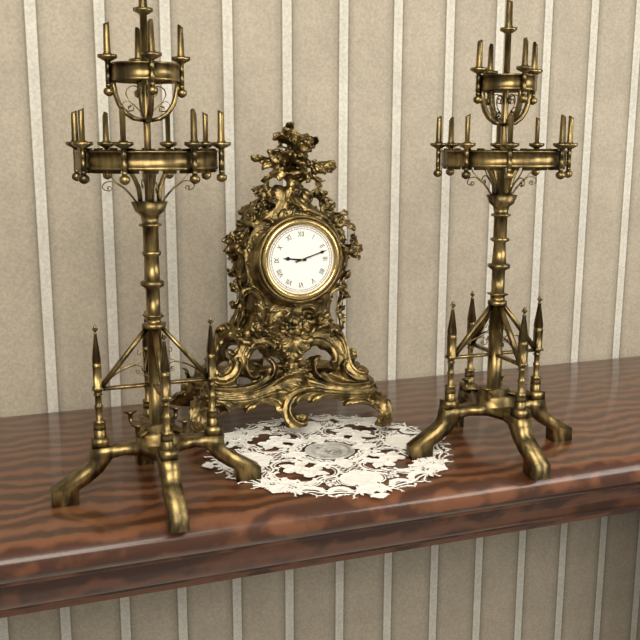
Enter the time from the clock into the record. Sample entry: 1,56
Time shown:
9,12
